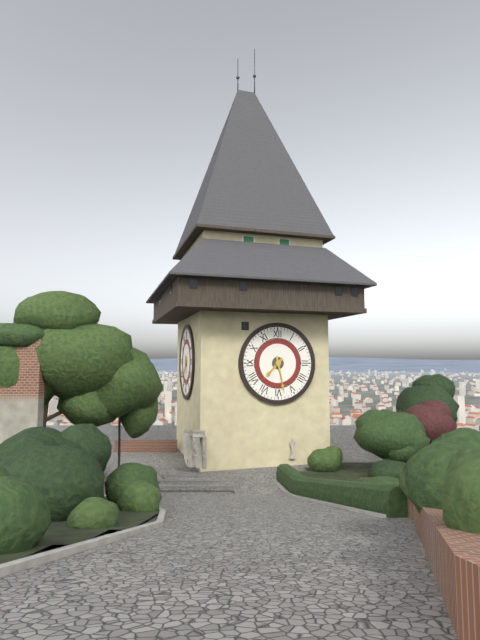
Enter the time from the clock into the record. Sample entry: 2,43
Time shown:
7,28
